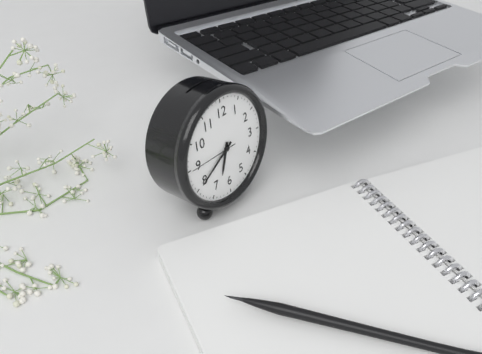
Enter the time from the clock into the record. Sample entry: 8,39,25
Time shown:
6,40,45
